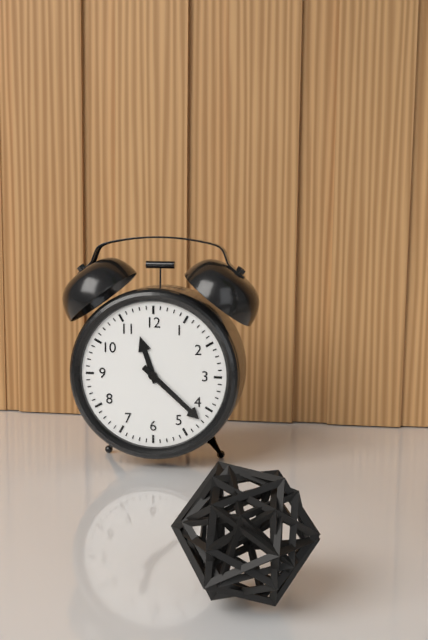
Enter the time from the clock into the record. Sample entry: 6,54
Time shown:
11,22
